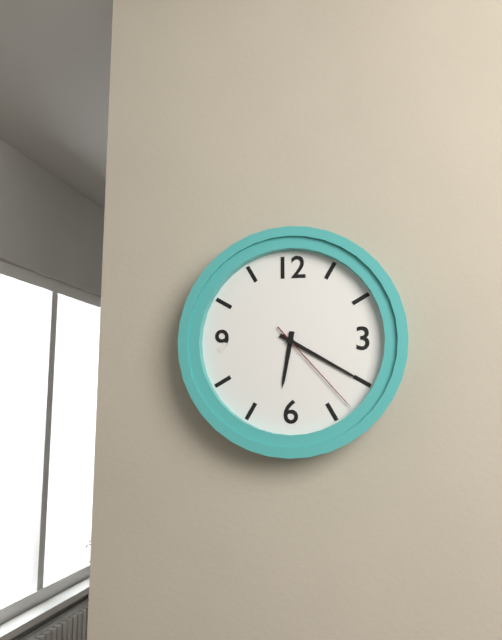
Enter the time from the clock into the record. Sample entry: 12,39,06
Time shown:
6,20,23
